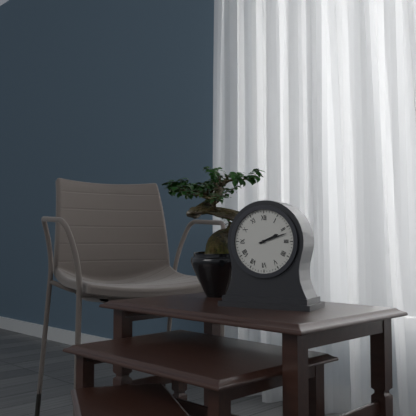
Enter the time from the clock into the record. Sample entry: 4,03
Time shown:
2,12
